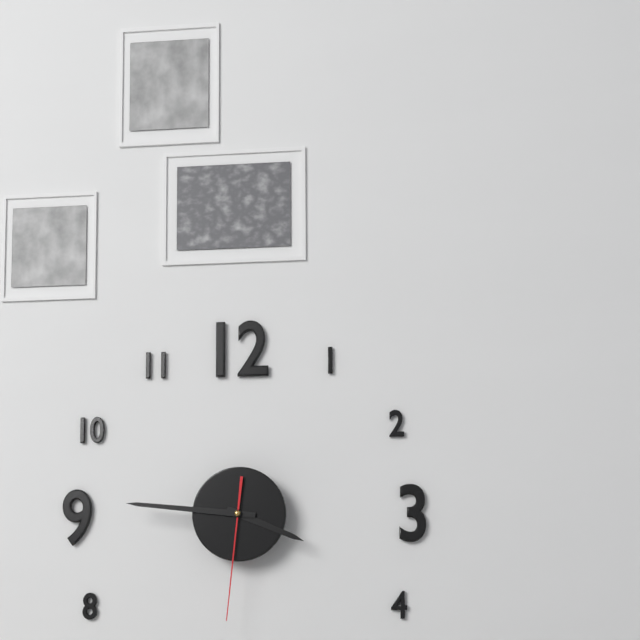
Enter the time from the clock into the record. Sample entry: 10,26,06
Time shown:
3,46,31
